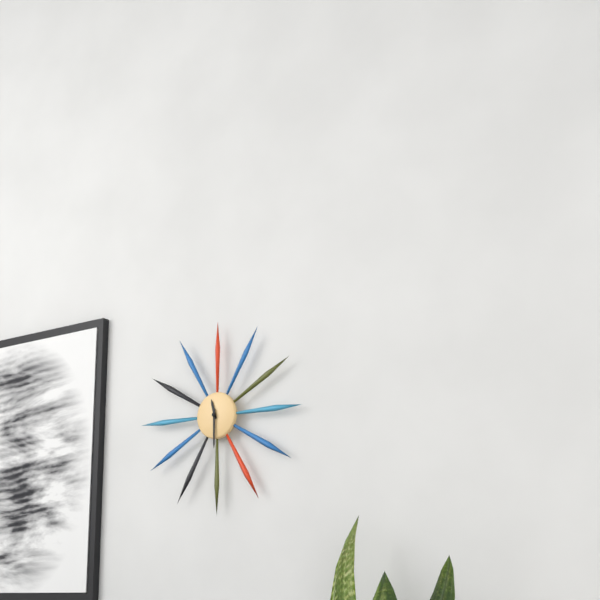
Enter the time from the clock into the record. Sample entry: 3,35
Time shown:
11,30
